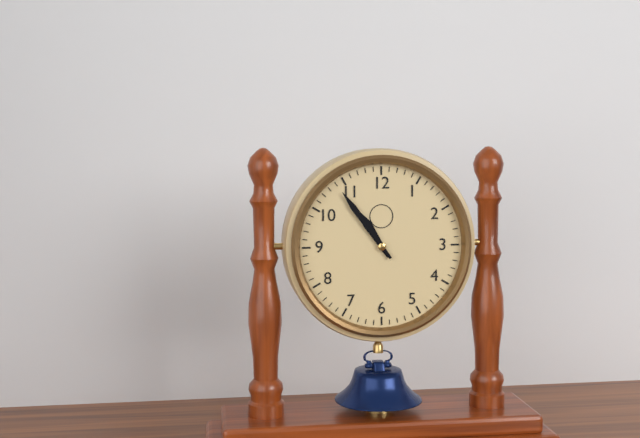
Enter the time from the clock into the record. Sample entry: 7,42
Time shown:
10,54
